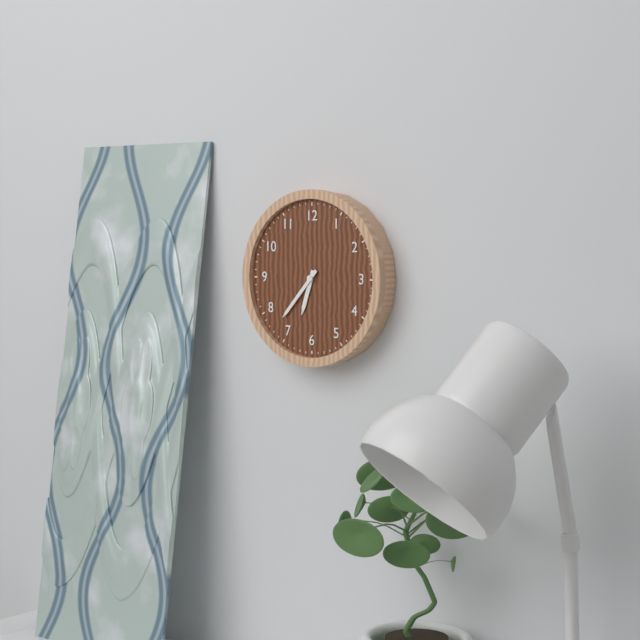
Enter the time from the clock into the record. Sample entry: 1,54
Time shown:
6,37
